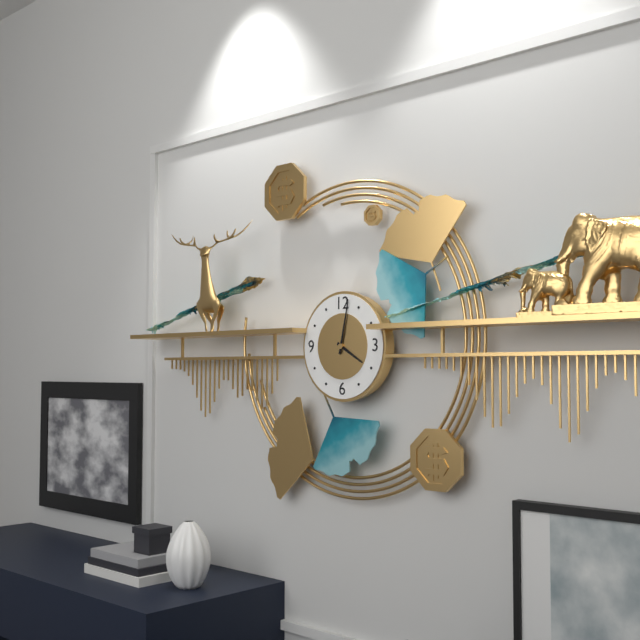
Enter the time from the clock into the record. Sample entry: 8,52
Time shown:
4,02
